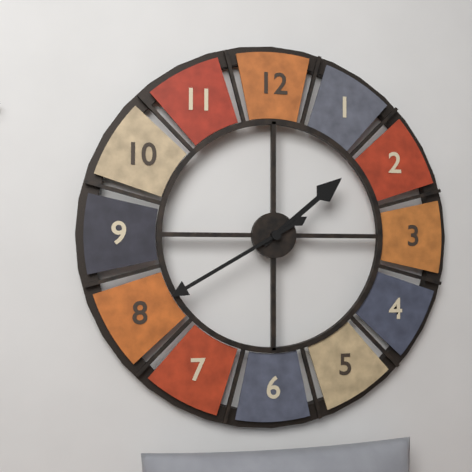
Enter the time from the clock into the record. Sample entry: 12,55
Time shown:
1,40
